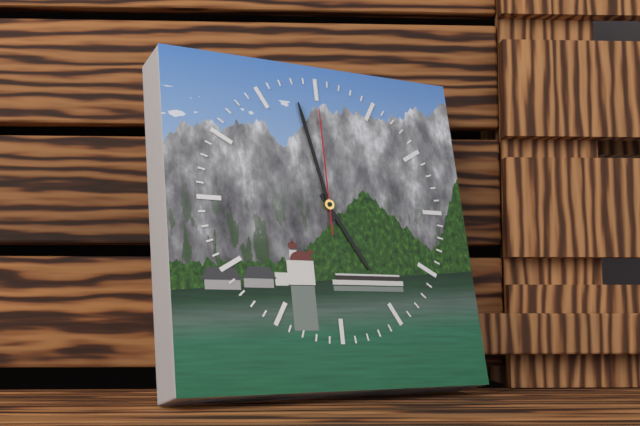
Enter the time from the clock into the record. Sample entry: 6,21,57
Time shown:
4,58,00
